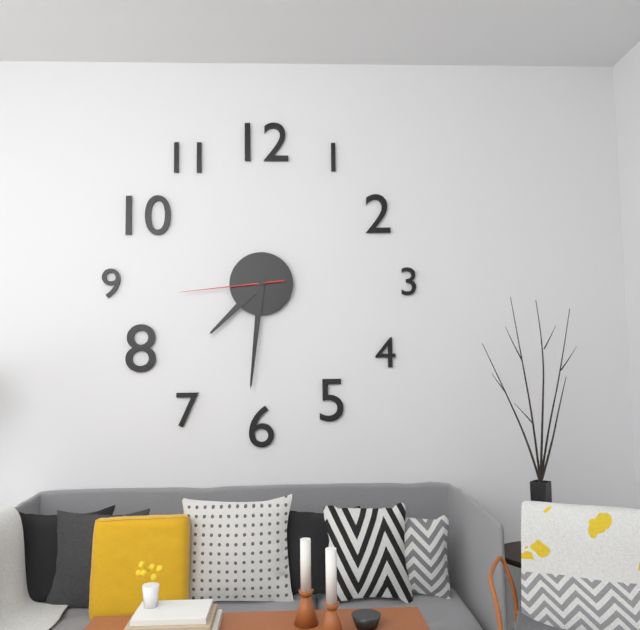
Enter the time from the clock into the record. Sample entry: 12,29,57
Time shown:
7,31,44
